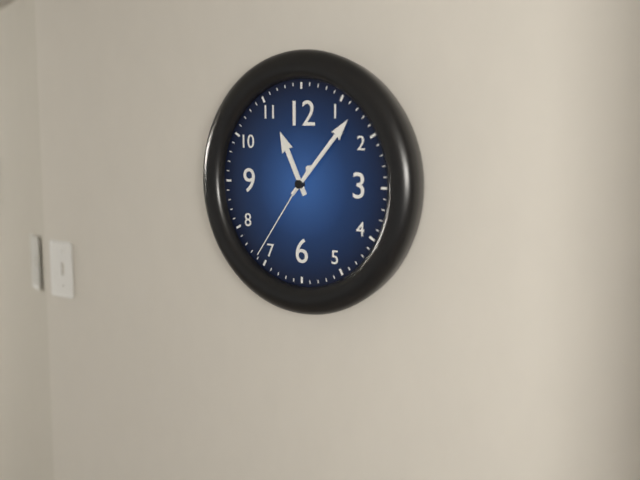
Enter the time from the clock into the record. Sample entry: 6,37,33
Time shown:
11,07,36
